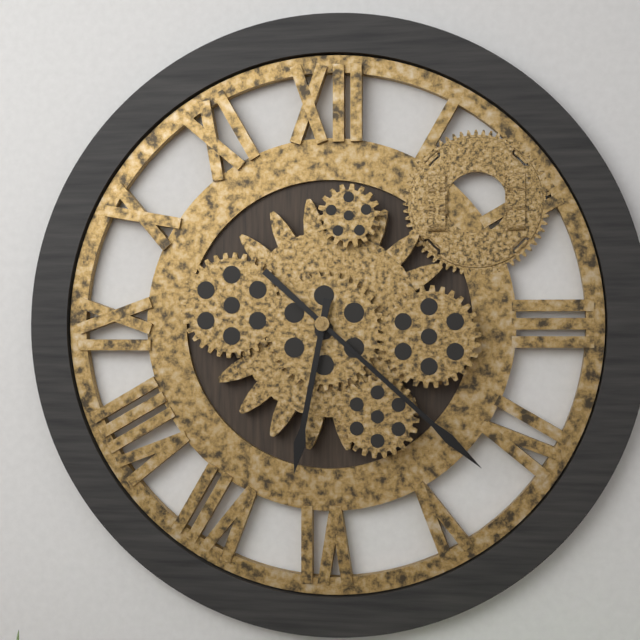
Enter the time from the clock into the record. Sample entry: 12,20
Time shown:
6,22
